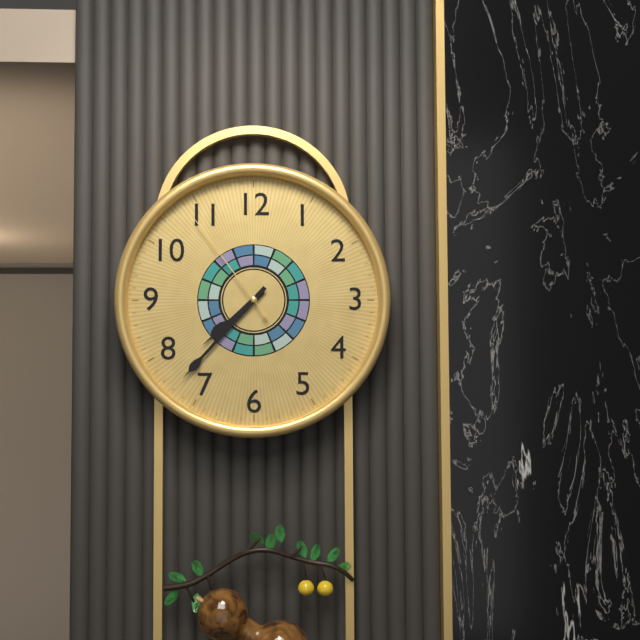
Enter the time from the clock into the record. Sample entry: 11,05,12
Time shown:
7,37,54
